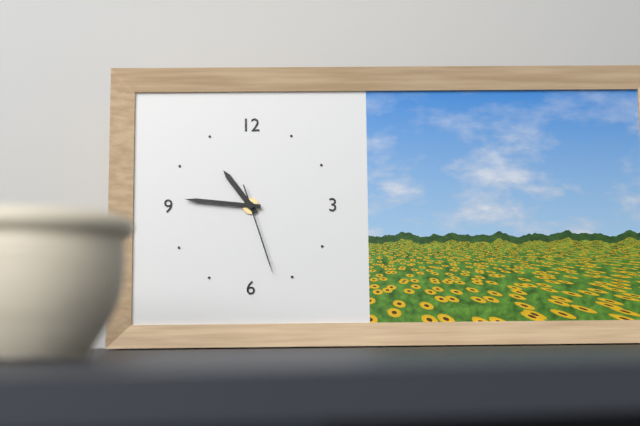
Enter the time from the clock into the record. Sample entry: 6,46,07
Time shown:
10,46,27
